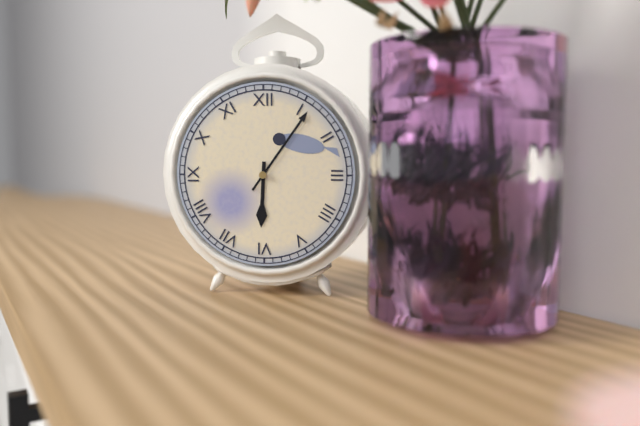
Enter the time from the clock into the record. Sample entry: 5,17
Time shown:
6,06
